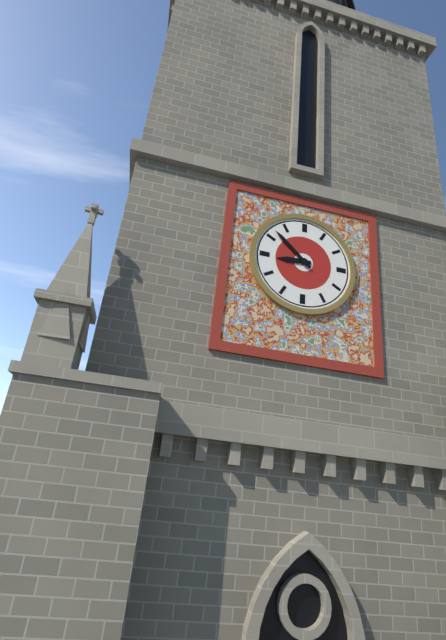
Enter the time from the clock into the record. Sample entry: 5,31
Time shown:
8,52
